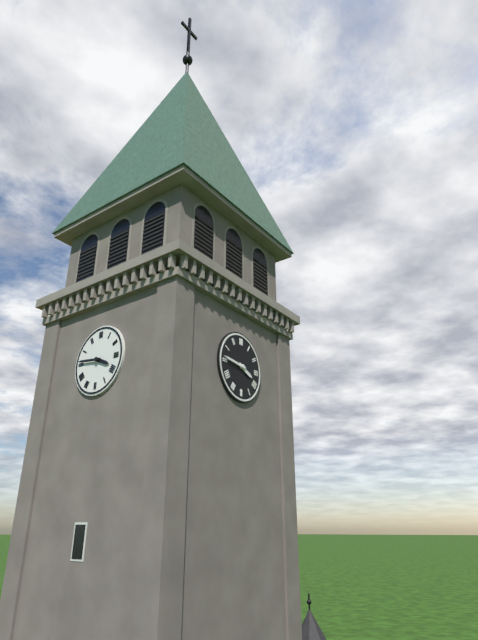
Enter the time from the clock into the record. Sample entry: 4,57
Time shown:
3,46
